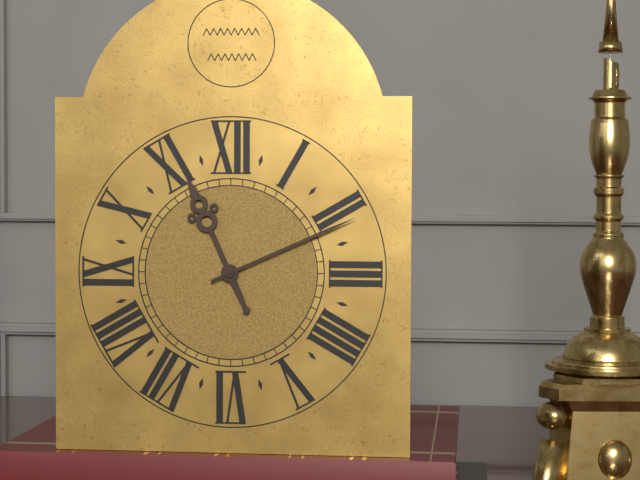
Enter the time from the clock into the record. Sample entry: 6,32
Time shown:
11,11
